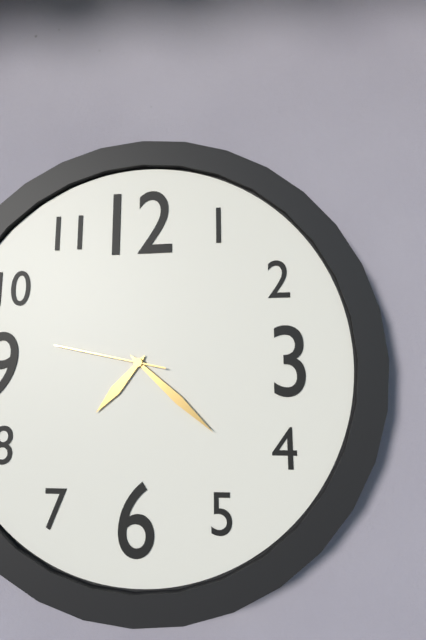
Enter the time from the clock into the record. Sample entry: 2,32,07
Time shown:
7,22,47
